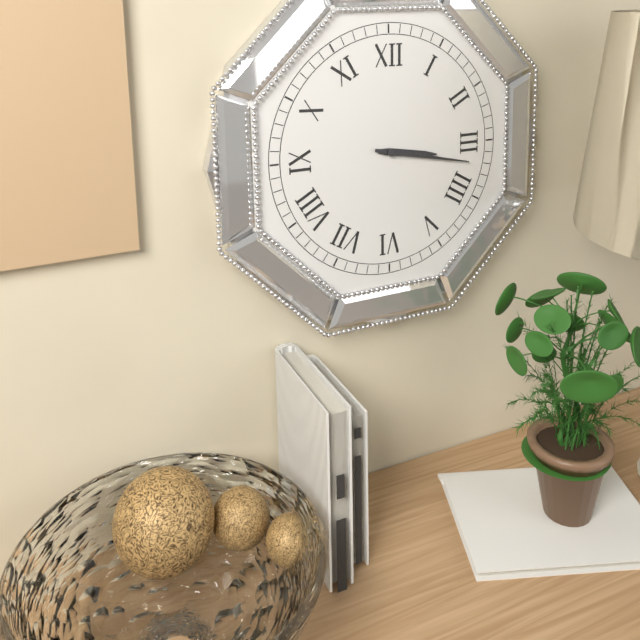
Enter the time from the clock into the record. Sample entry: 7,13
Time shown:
3,17
